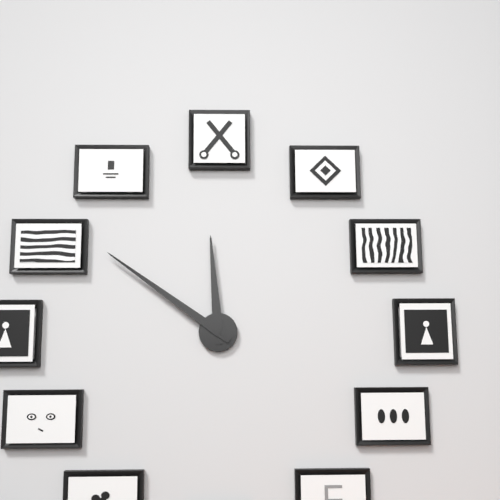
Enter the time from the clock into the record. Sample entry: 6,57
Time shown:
11,51
